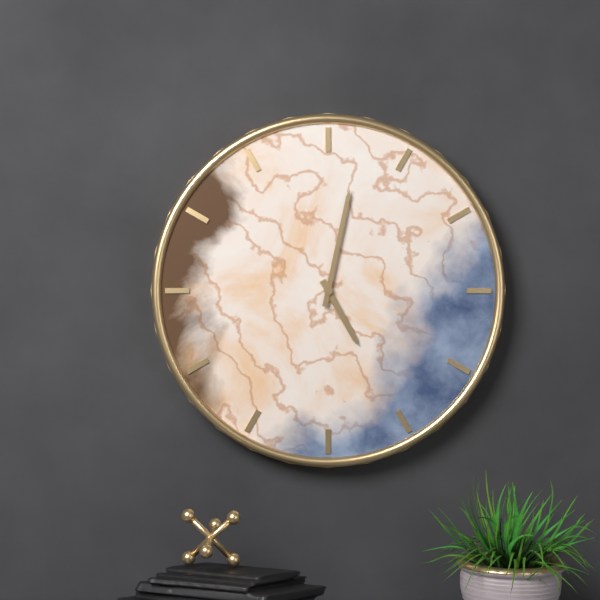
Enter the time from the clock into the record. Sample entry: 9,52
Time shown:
5,02
